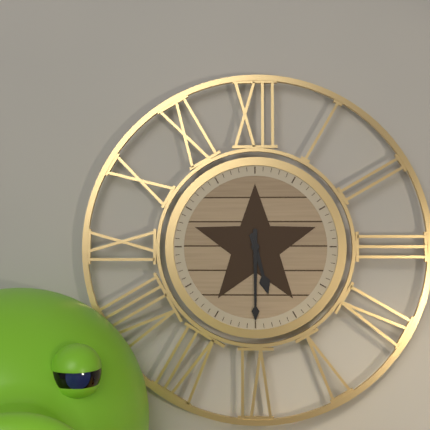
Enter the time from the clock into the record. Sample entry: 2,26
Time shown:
5,30
